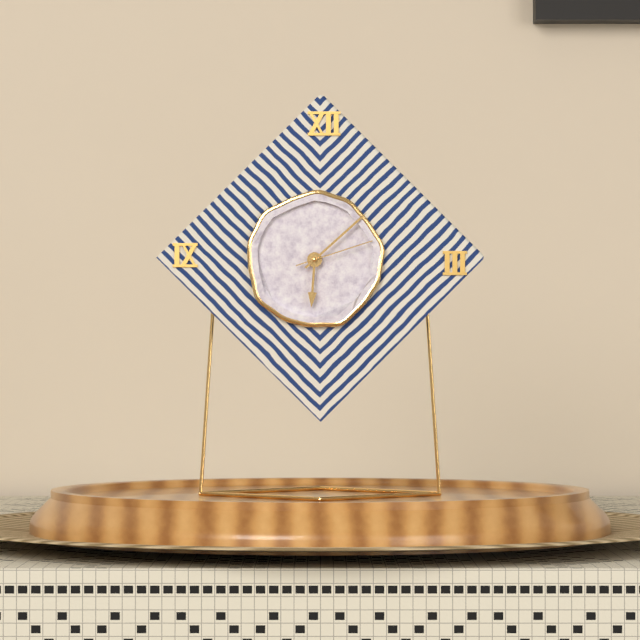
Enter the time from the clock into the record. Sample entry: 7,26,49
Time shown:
6,08,12
